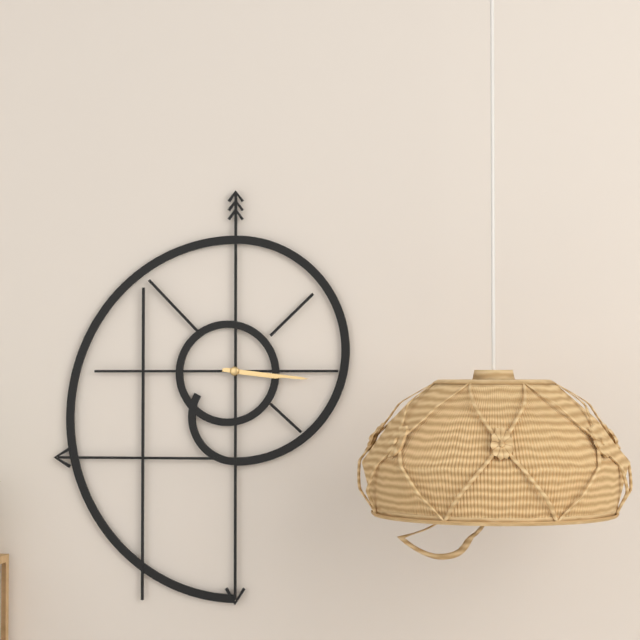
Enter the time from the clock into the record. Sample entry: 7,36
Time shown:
3,16
